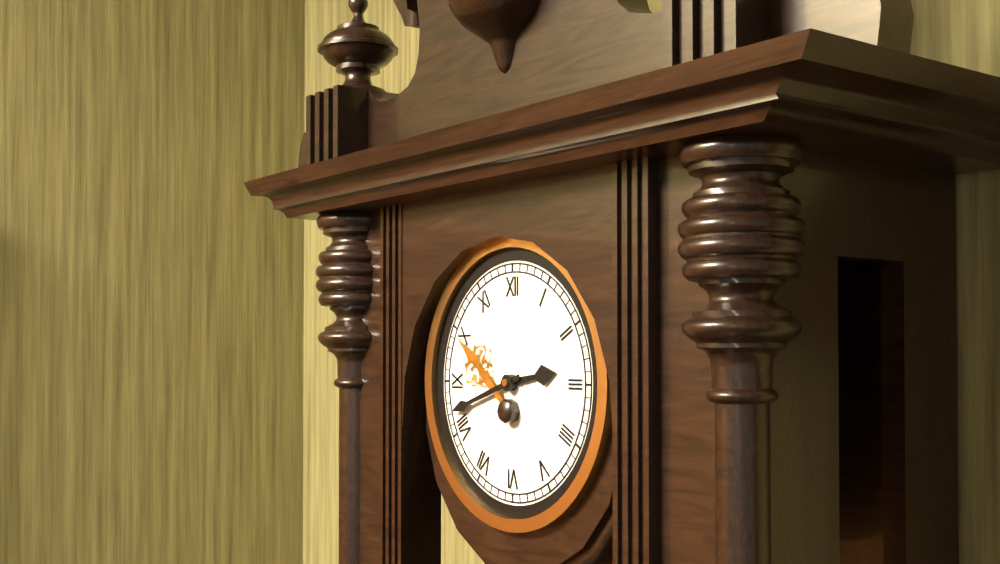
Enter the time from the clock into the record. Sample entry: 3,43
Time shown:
2,42
